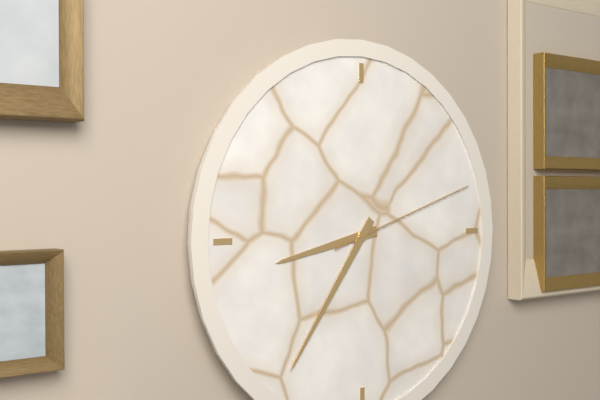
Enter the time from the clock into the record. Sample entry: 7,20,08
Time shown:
8,36,12
